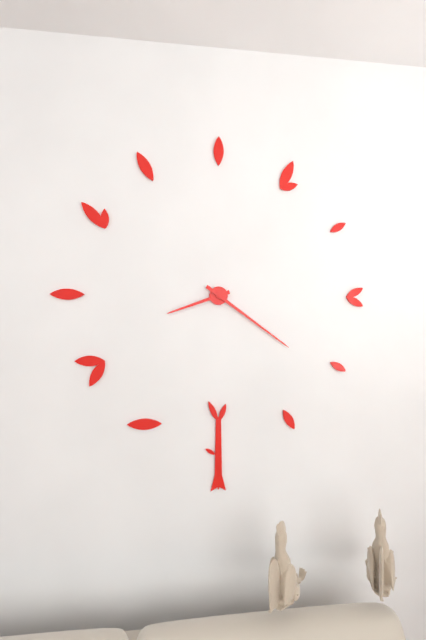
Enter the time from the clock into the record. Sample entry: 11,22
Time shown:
8,21
